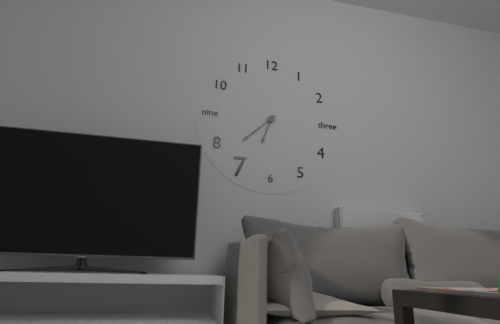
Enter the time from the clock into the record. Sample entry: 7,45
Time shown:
6,38
